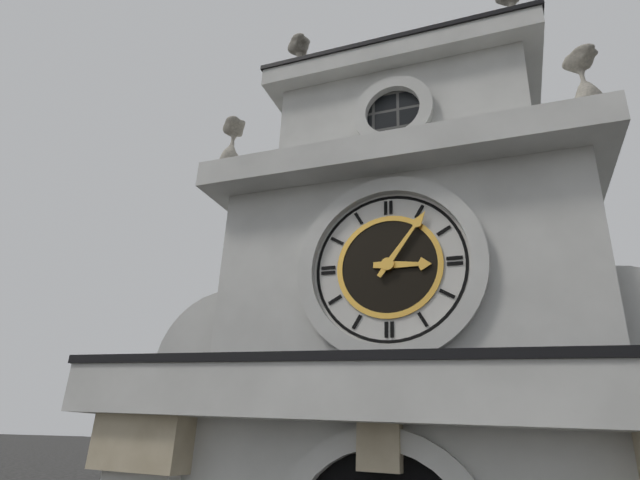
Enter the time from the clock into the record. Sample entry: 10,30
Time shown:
3,06
